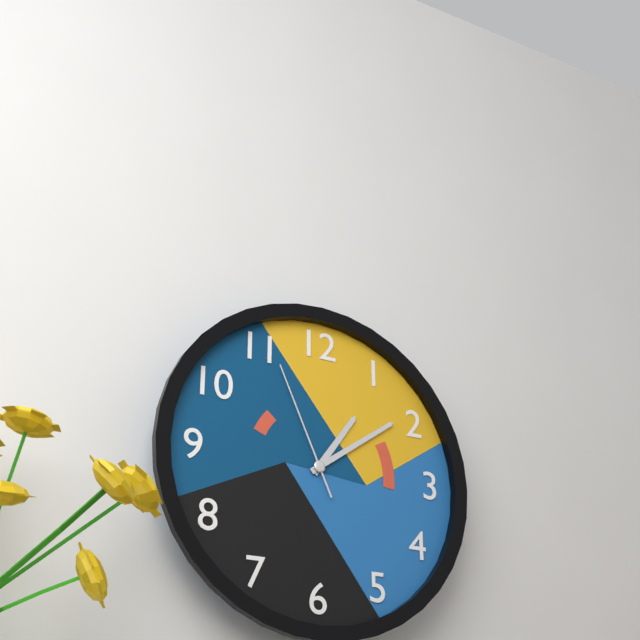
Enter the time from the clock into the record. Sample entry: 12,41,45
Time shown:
1,09,56
